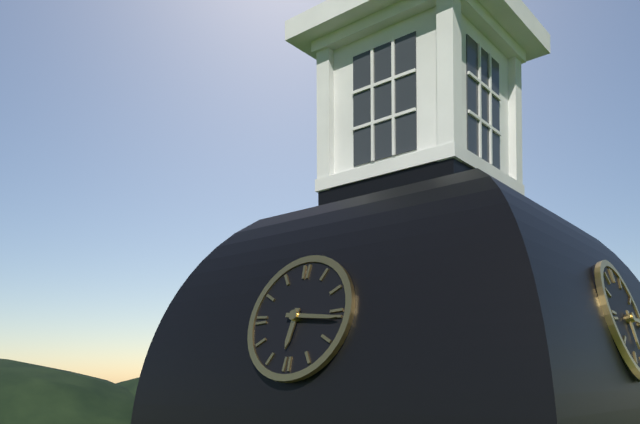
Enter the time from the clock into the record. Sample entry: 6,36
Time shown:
6,16
